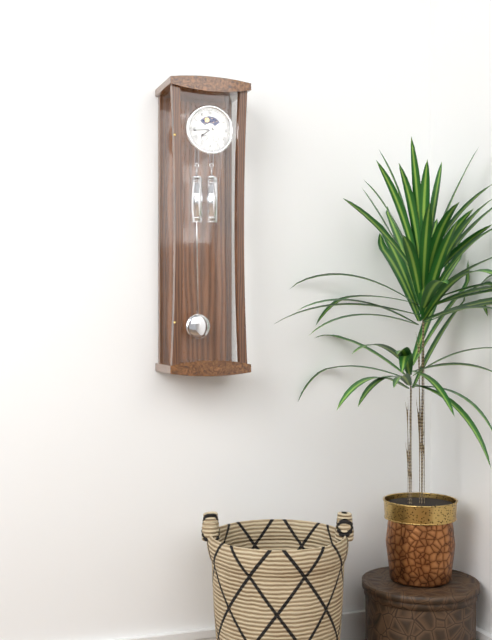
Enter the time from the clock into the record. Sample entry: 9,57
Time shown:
7,44
